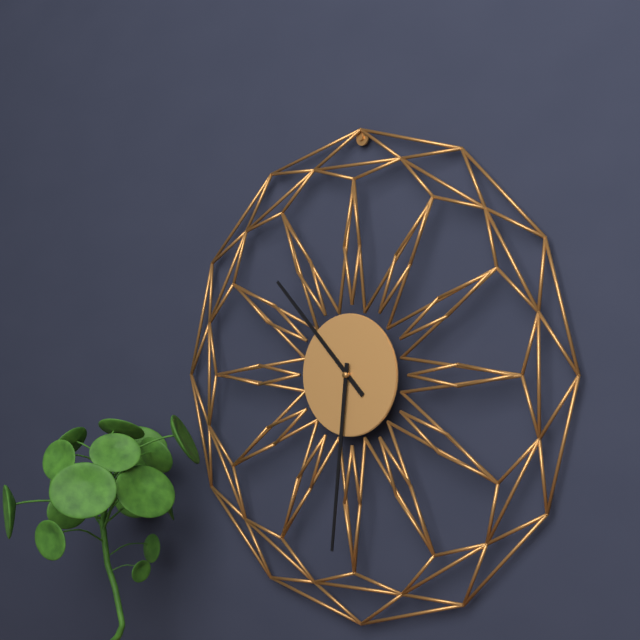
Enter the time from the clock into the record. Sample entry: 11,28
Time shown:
10,31
